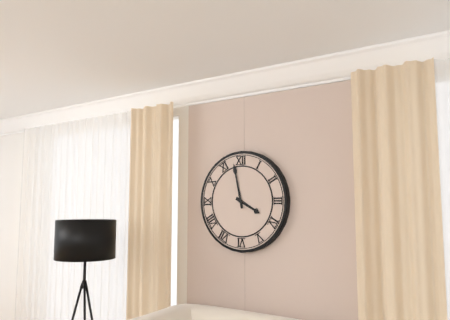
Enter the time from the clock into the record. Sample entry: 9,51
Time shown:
3,58
